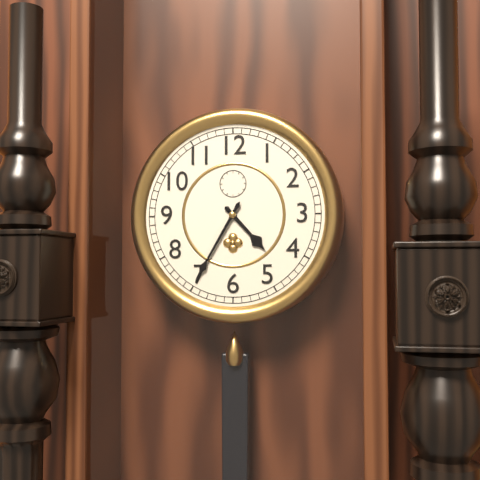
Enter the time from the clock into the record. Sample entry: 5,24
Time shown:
4,35
